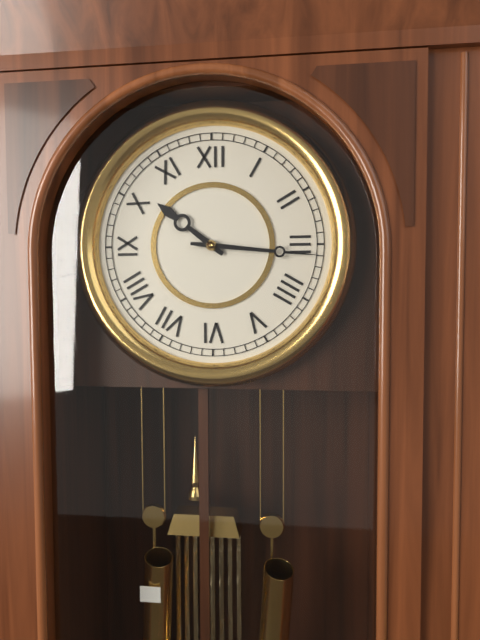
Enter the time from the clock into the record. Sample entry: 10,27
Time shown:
10,16
